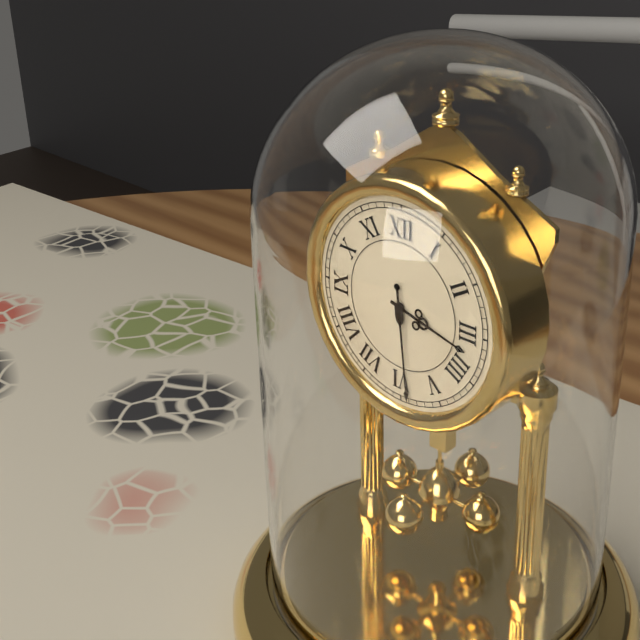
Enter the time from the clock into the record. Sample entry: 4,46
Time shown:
3,29
